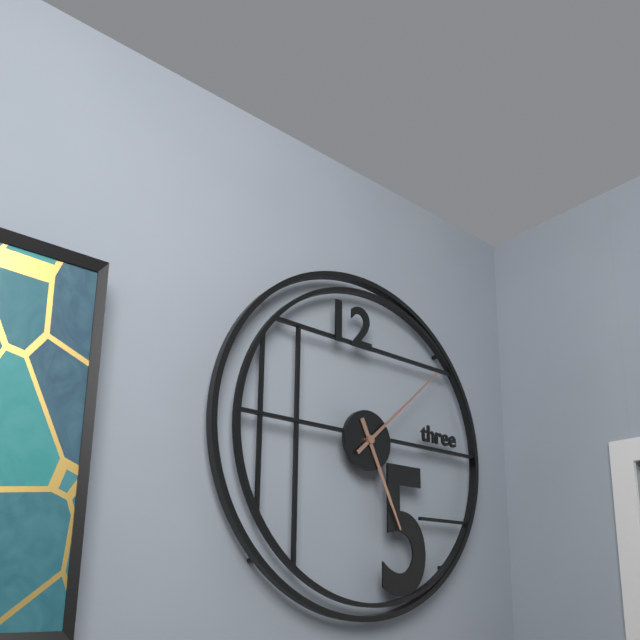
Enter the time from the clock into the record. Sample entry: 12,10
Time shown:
5,08
